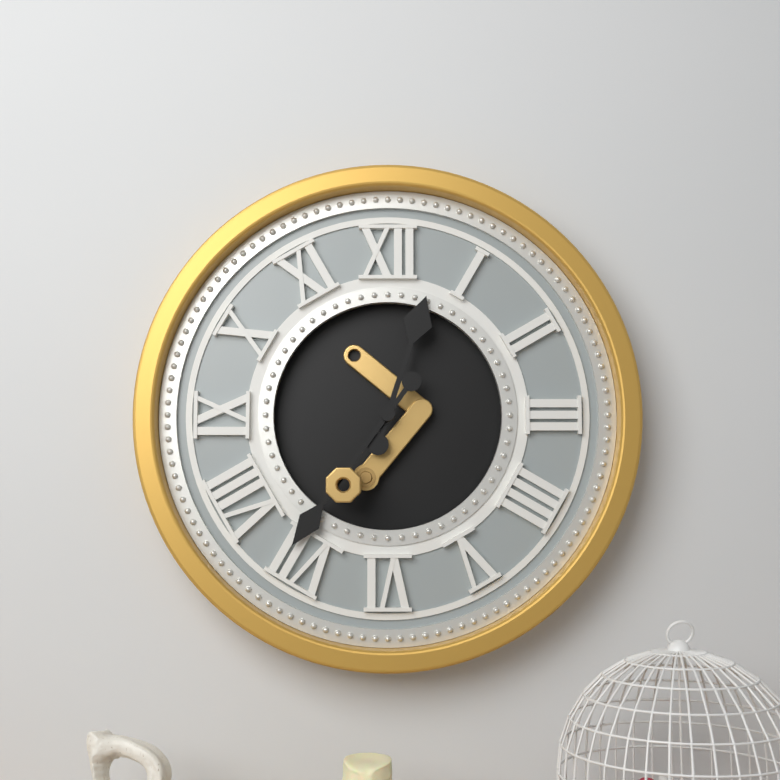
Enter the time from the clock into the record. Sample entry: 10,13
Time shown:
12,36
